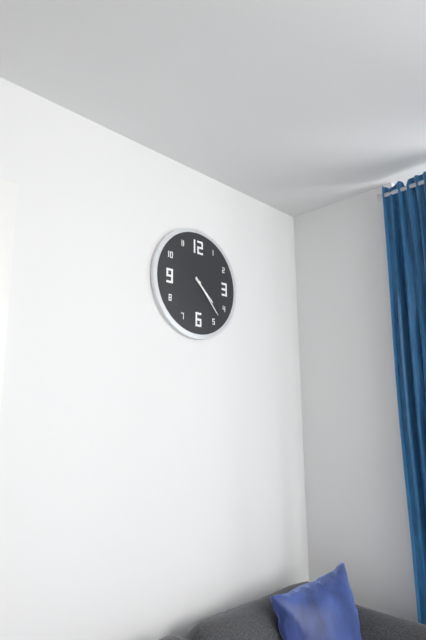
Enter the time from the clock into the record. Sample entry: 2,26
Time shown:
4,23
